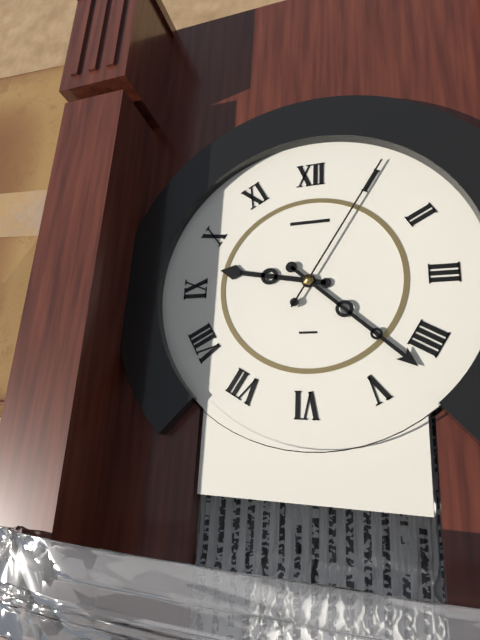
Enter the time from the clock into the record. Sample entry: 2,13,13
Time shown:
9,22,05
